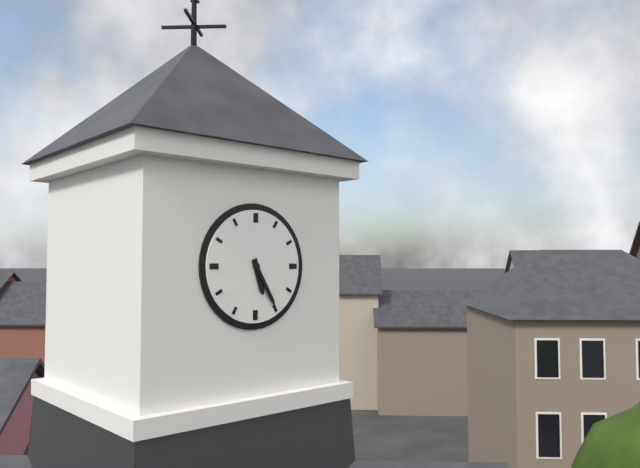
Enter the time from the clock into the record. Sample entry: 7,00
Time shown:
5,25
